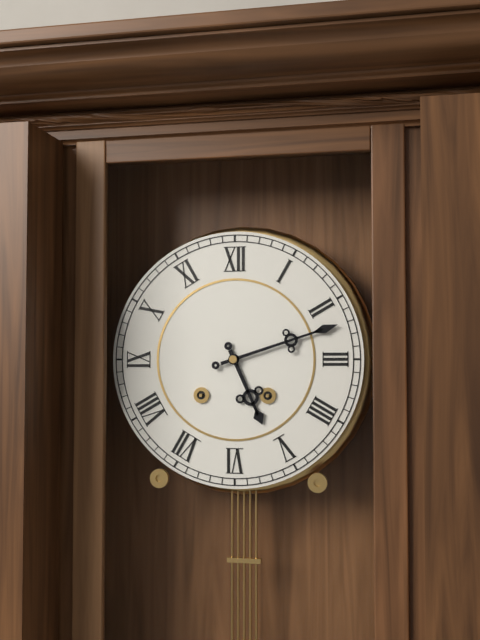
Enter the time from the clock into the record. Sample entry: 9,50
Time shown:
5,12
